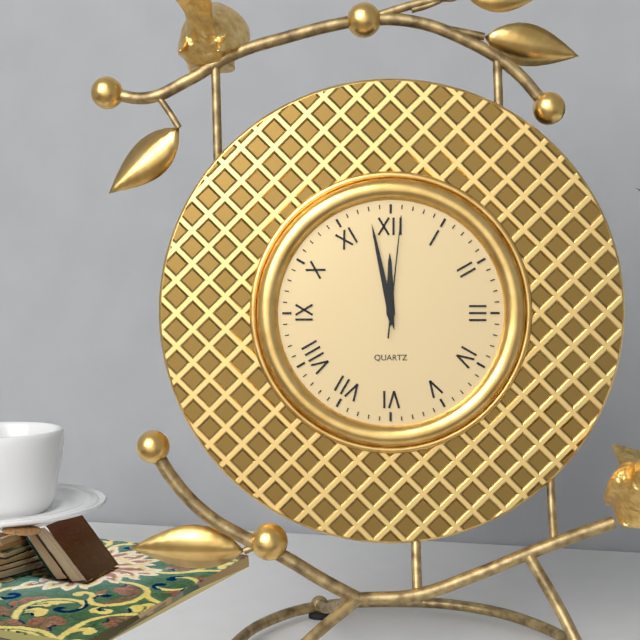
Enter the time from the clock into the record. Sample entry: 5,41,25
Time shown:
11,58,01
